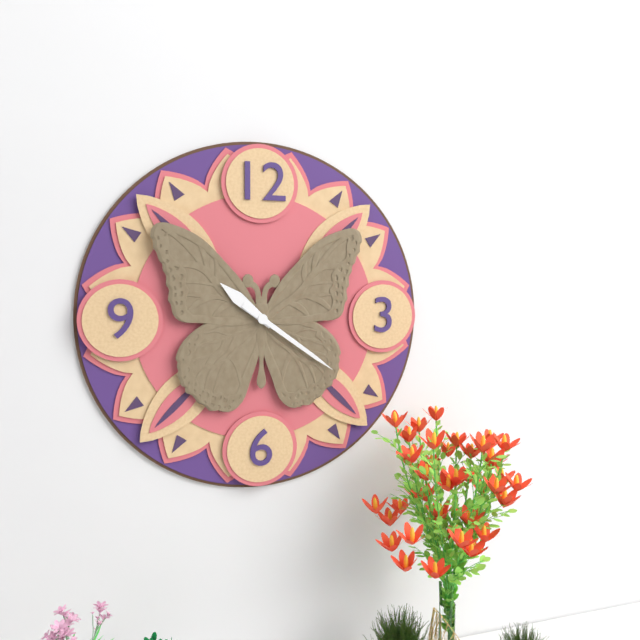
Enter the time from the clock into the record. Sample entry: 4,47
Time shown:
10,21
